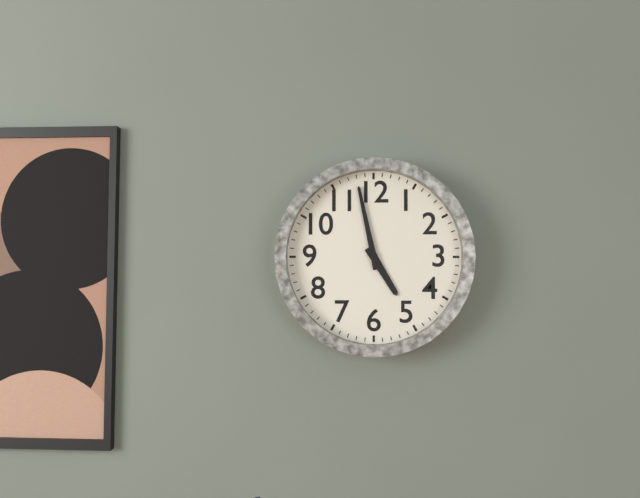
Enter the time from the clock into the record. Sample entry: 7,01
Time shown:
4,58
